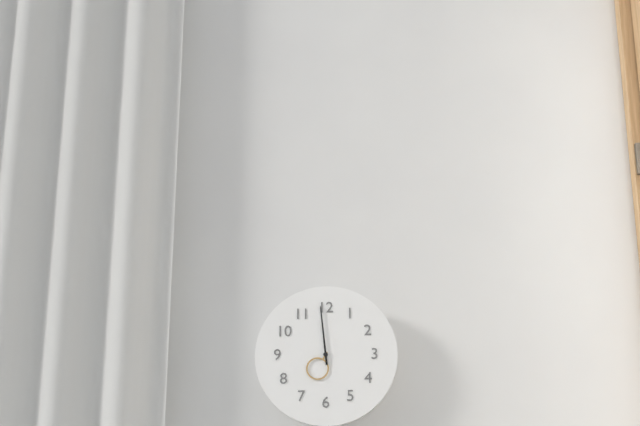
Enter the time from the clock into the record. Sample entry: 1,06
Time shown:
6,59
